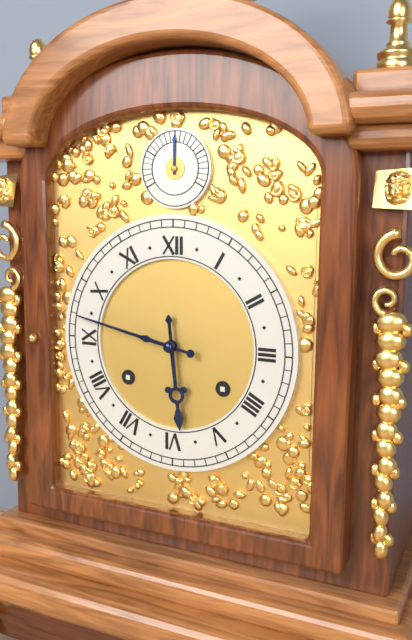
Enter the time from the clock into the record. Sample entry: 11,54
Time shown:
5,47
